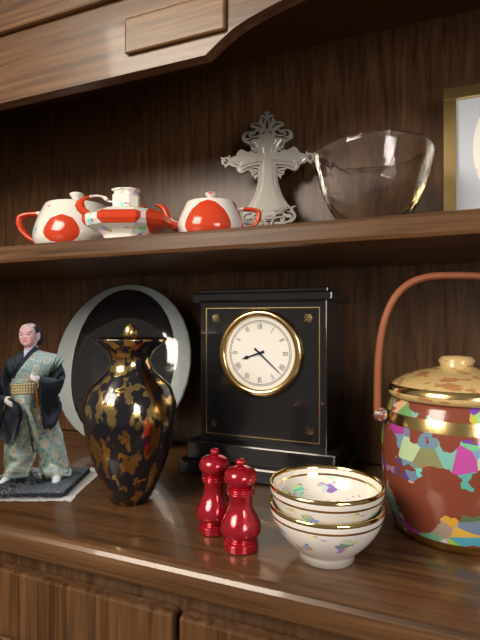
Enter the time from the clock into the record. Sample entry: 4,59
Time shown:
8,22
